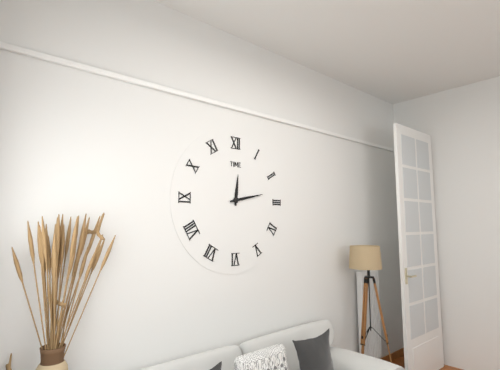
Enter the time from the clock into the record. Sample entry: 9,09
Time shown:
12,13
